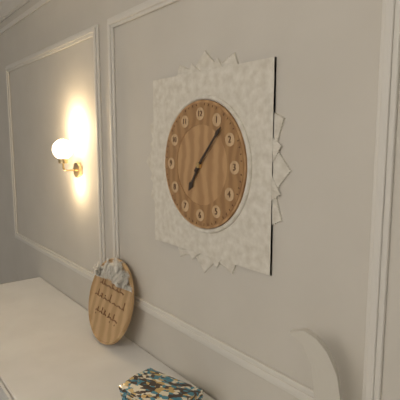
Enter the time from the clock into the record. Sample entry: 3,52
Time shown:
7,07
